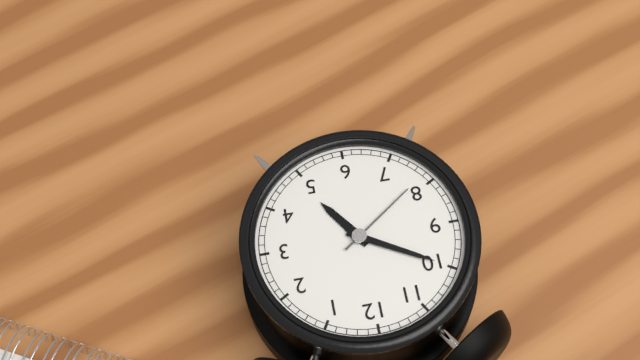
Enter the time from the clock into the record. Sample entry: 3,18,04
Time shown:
4,50,39
